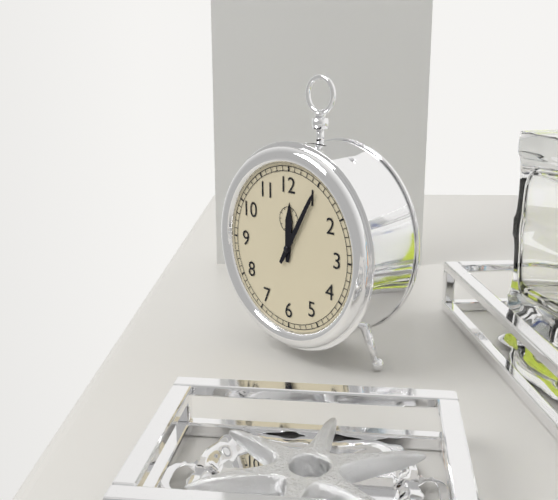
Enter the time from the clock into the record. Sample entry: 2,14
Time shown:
12,05
